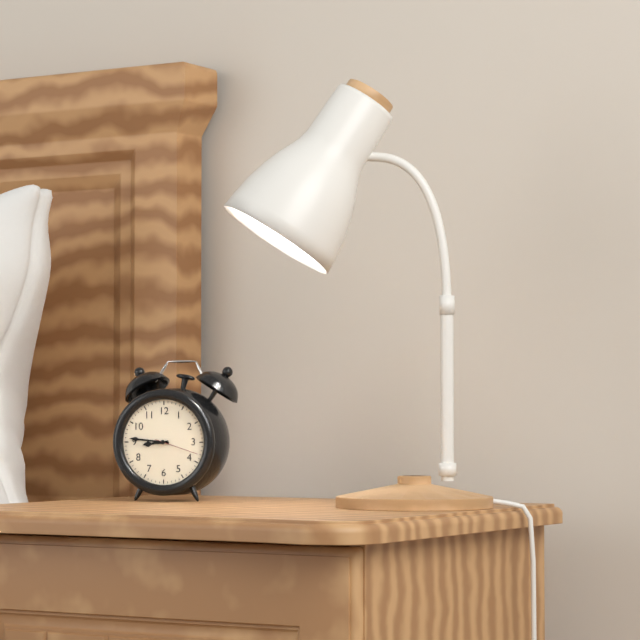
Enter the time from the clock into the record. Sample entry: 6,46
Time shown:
8,46
